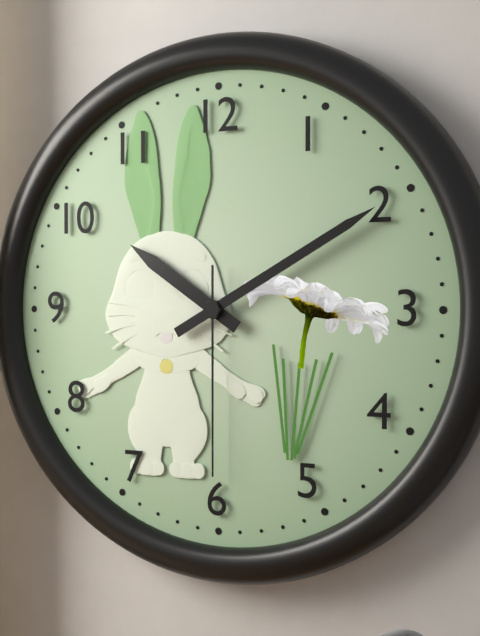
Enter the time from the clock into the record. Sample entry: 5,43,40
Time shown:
10,10,30
